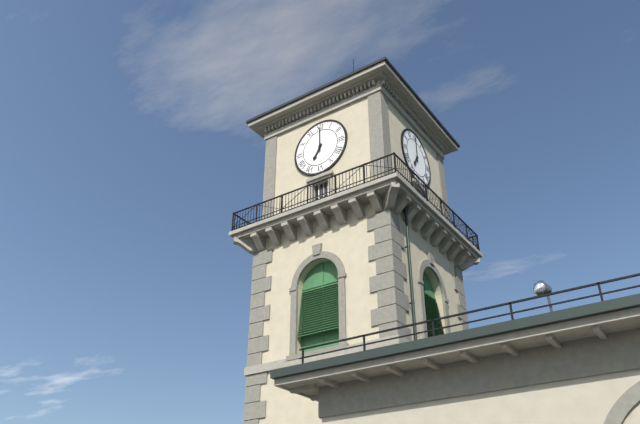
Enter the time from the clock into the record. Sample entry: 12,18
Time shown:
7,00
